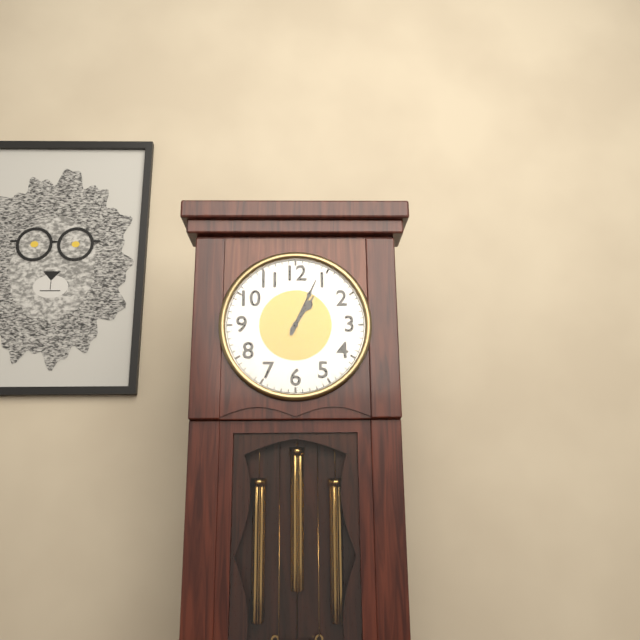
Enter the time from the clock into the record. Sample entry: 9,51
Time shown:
1,04
